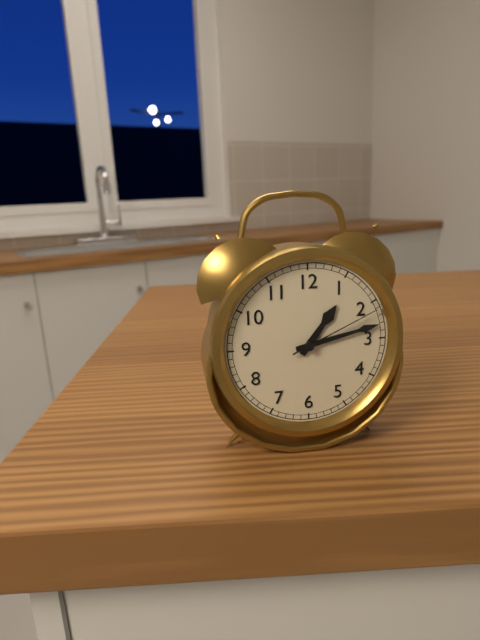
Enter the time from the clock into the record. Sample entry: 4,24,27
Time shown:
1,13,11
